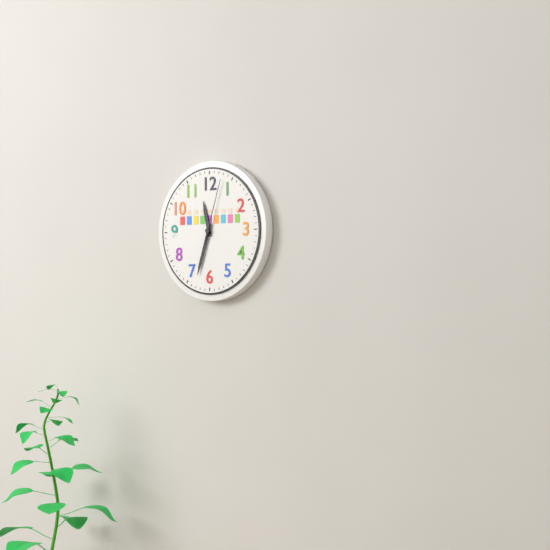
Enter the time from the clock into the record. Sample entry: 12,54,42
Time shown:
11,33,03
